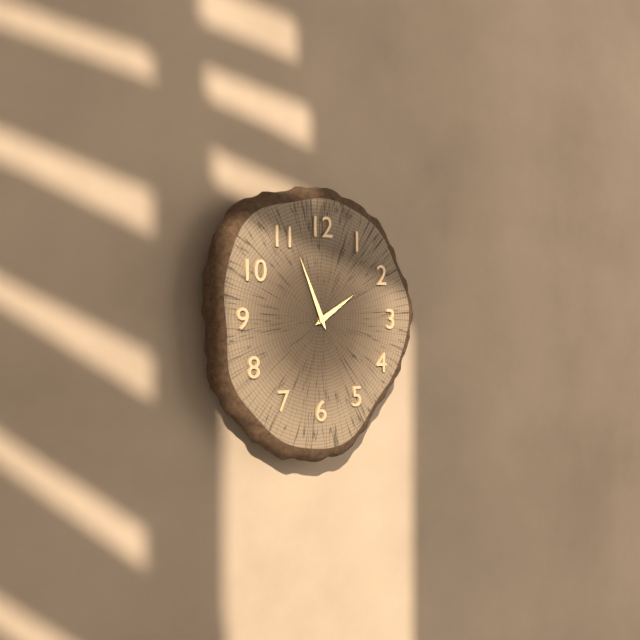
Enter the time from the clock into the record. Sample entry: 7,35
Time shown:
1,56
